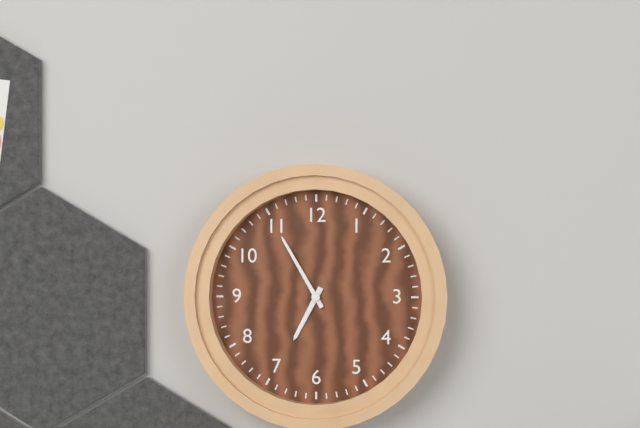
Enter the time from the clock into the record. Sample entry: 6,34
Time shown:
6,55
